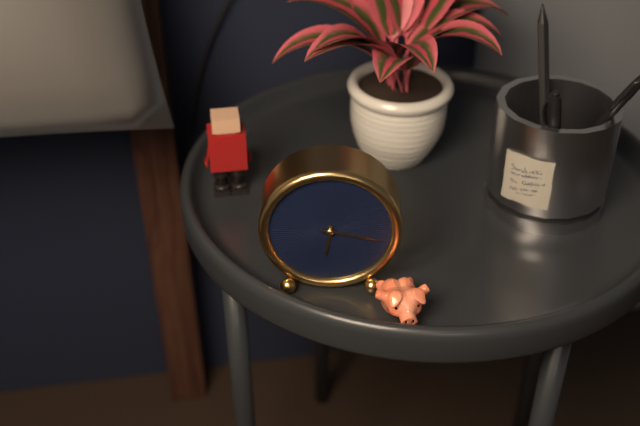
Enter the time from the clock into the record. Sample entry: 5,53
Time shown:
6,17
